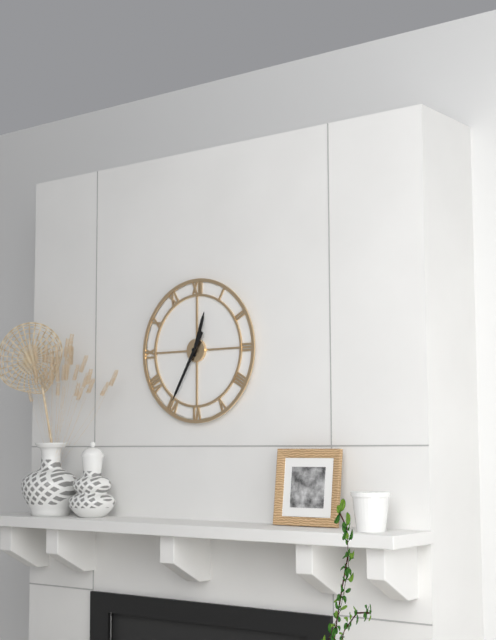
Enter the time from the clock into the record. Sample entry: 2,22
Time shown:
12,35
